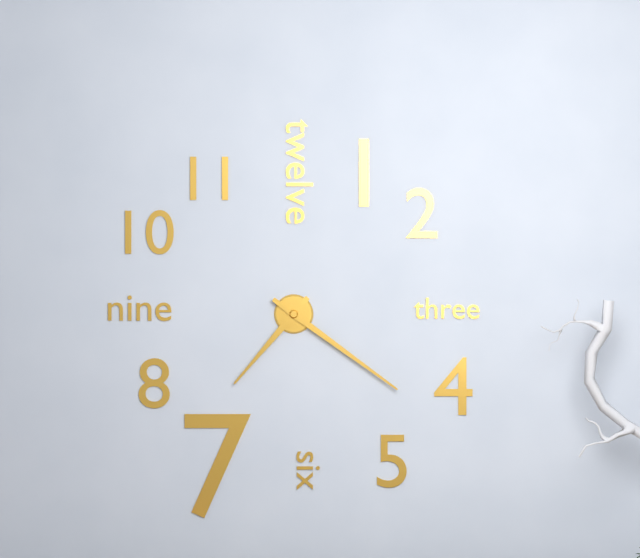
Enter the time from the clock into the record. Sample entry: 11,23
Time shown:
7,21
